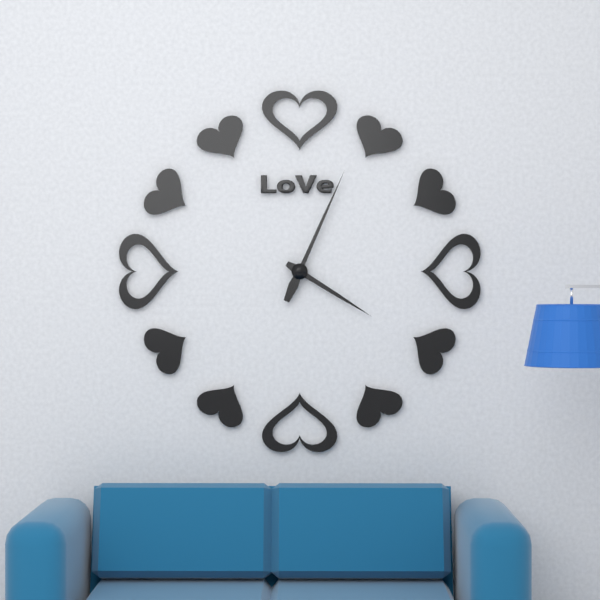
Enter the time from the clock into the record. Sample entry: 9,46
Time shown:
4,04
